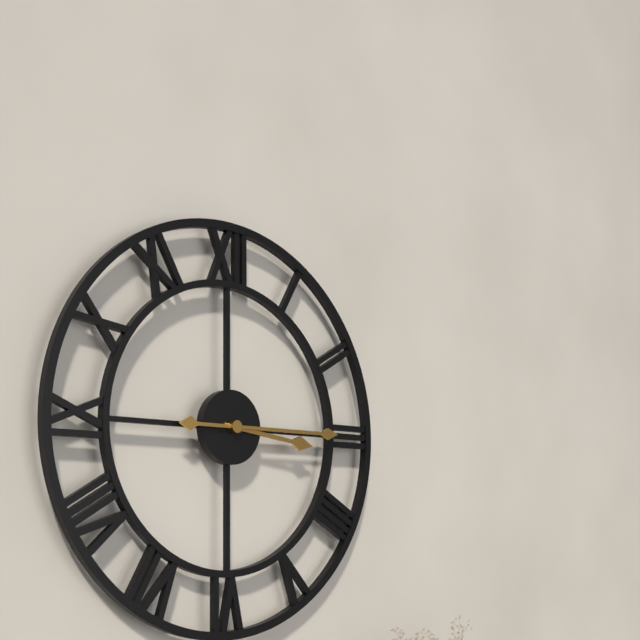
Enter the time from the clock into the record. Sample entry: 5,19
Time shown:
3,15
